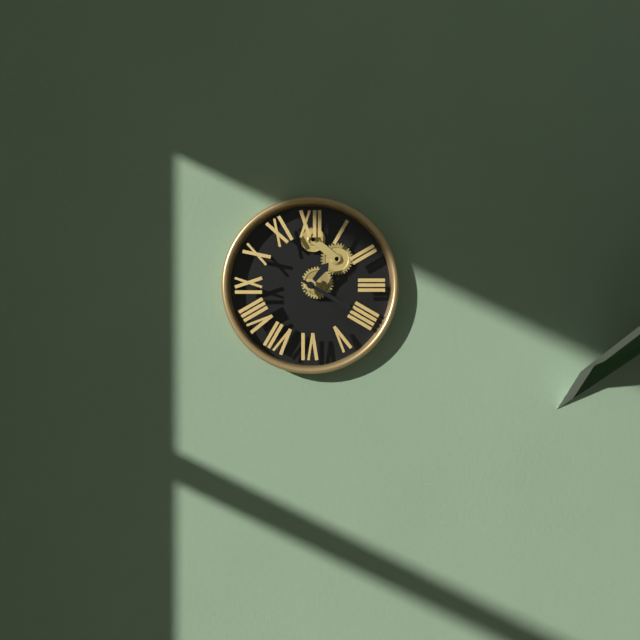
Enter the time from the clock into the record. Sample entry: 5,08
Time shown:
1,20
